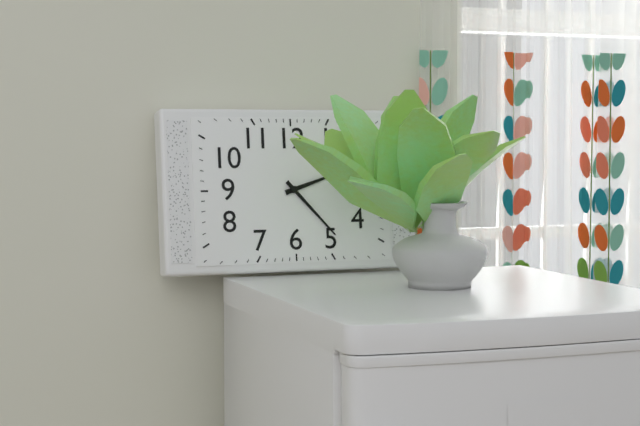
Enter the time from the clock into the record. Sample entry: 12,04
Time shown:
2,23
